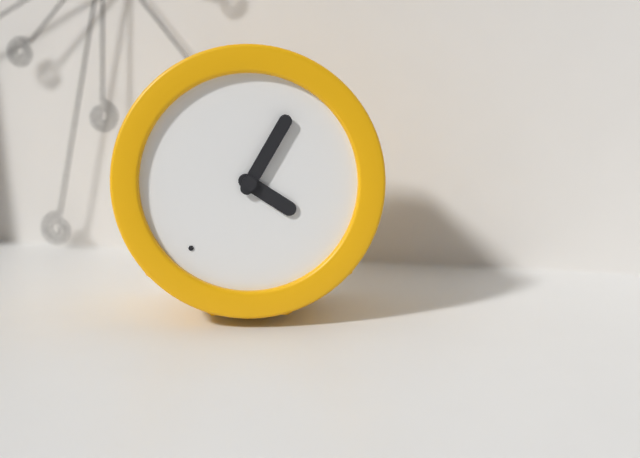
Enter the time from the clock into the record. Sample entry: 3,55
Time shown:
4,05
